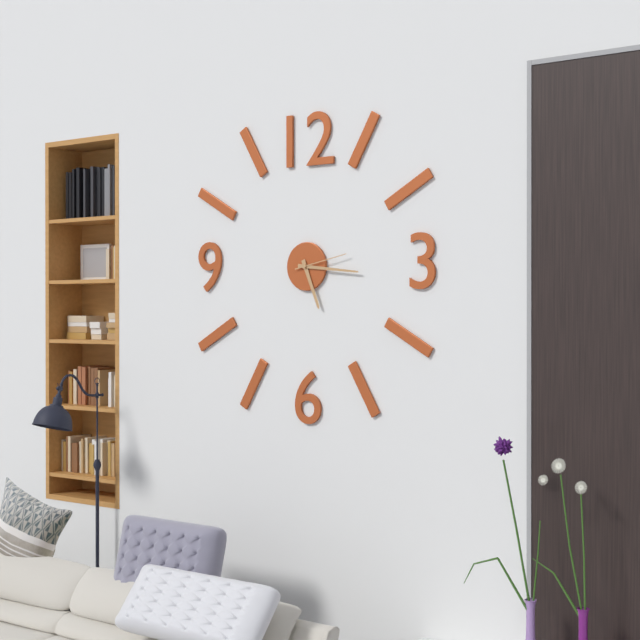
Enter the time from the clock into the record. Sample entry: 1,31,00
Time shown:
5,16,13
